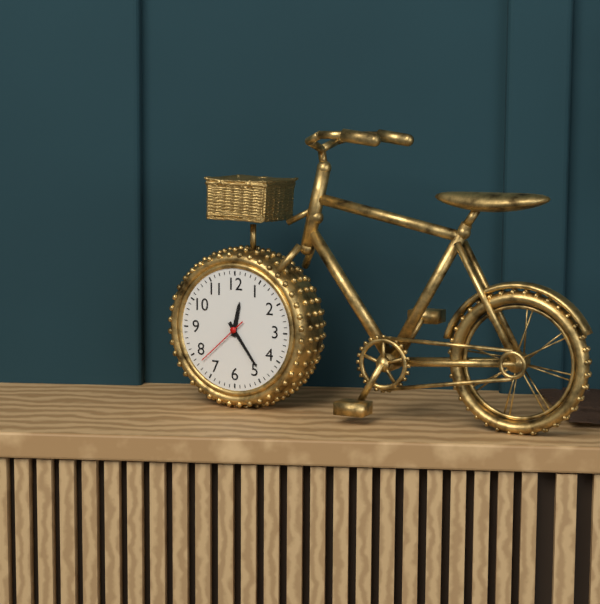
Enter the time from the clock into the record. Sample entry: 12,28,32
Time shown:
12,24,38
